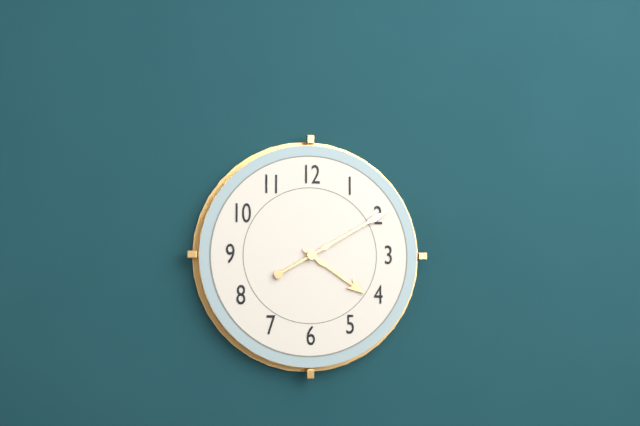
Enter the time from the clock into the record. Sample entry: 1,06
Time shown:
4,10
